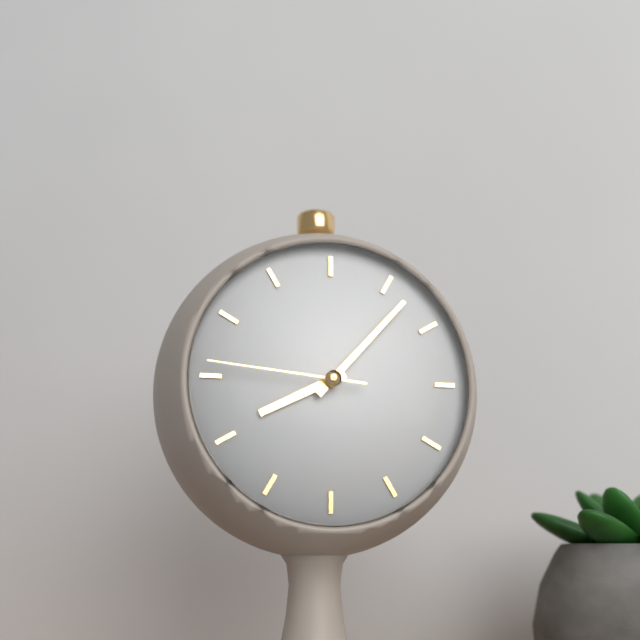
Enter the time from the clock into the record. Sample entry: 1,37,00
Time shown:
8,07,46
